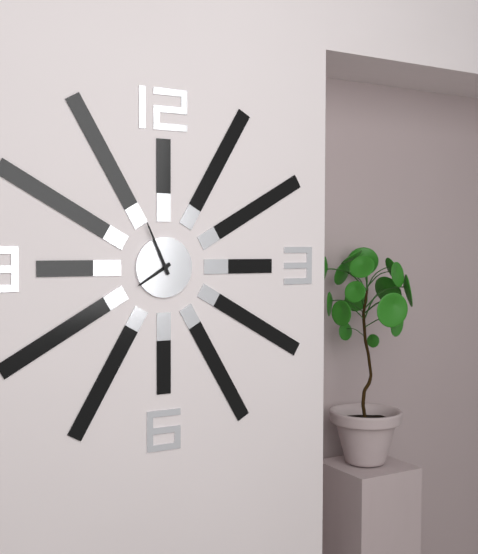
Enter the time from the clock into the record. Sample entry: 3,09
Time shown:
7,56
